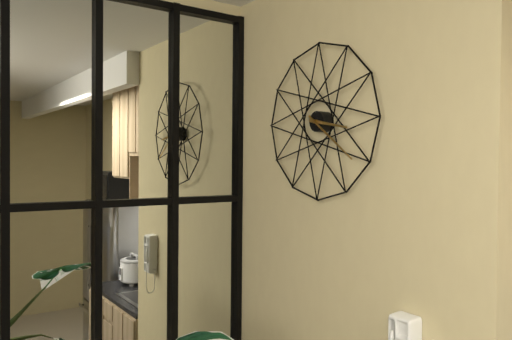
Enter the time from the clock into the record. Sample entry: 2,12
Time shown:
3,21
